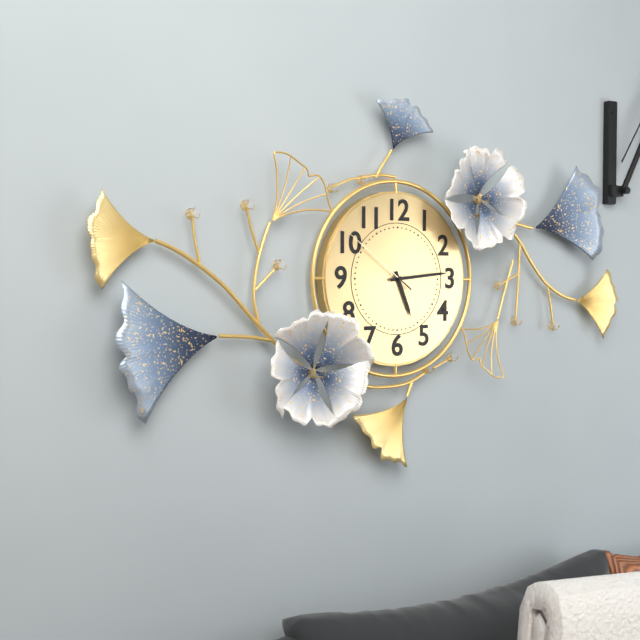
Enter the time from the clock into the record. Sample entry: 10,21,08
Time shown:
5,14,51
